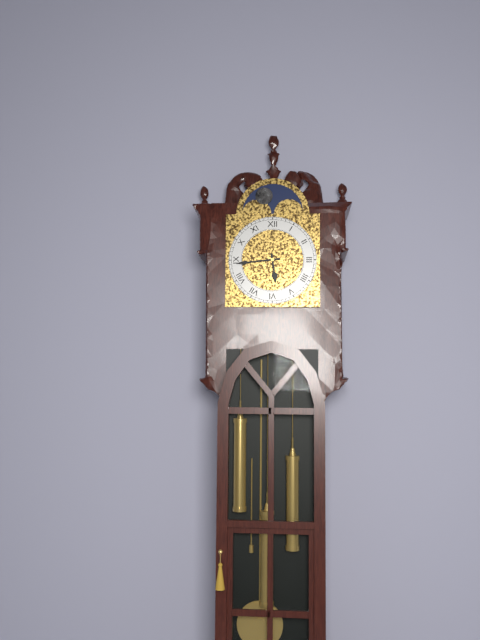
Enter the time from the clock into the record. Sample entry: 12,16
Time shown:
5,44
